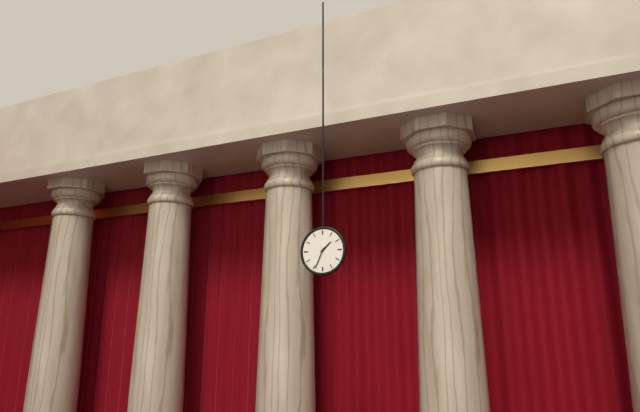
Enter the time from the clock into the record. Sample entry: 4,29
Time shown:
1,34
